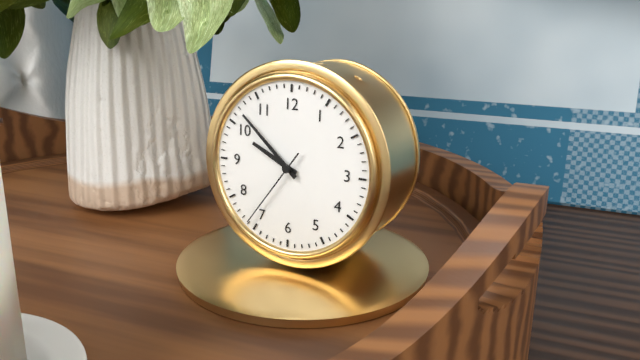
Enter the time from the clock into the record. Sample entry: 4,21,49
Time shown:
9,52,36
